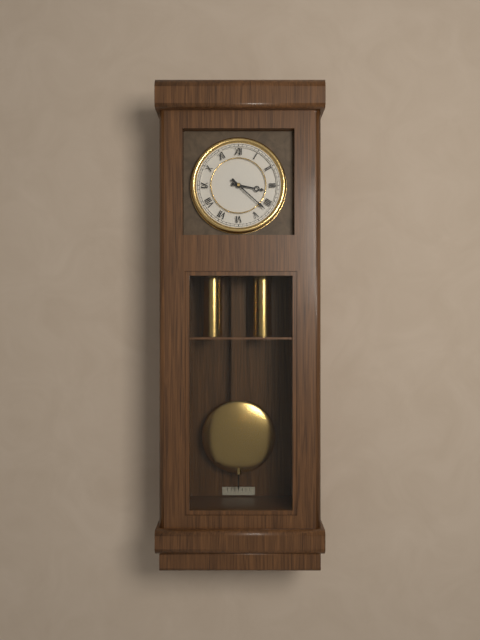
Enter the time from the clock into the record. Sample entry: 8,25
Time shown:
3,22
